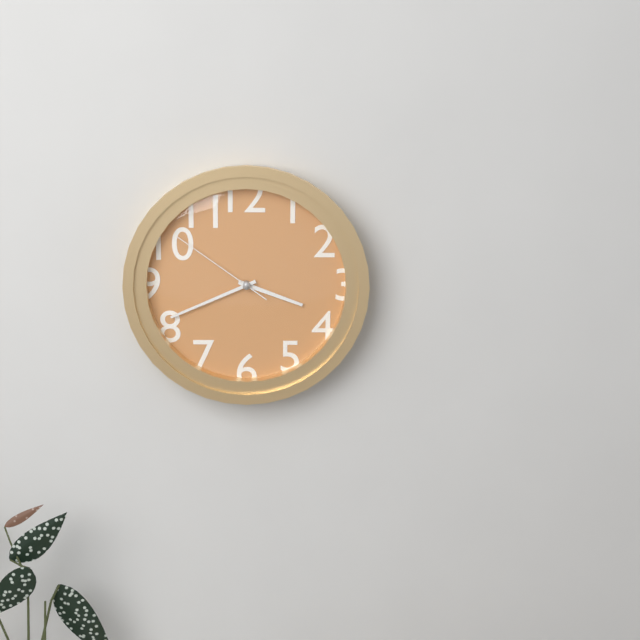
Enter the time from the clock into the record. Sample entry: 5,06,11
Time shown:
3,41,51
